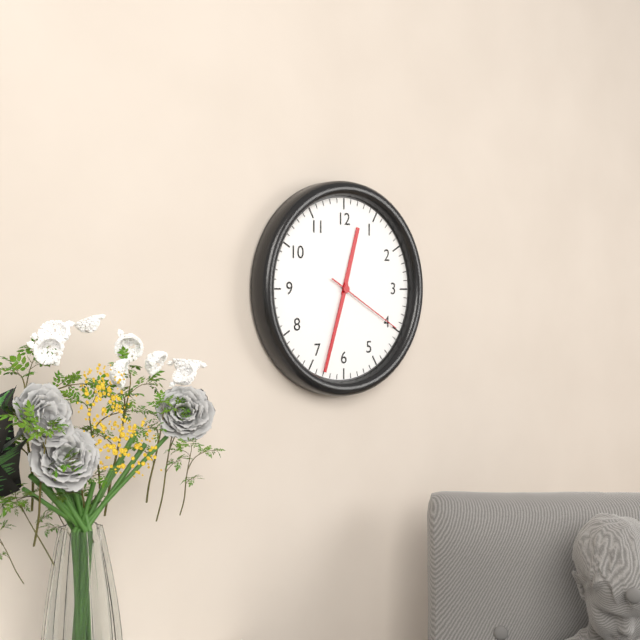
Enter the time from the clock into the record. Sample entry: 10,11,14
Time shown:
12,33,20
